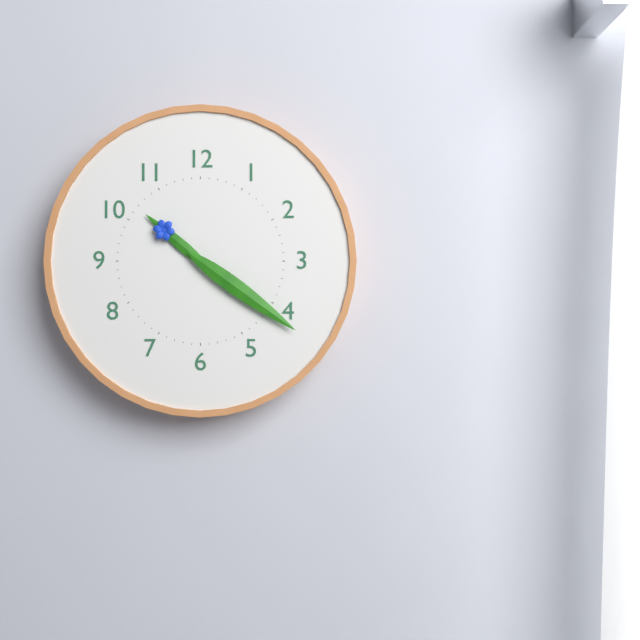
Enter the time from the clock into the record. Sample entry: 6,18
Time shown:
10,21
